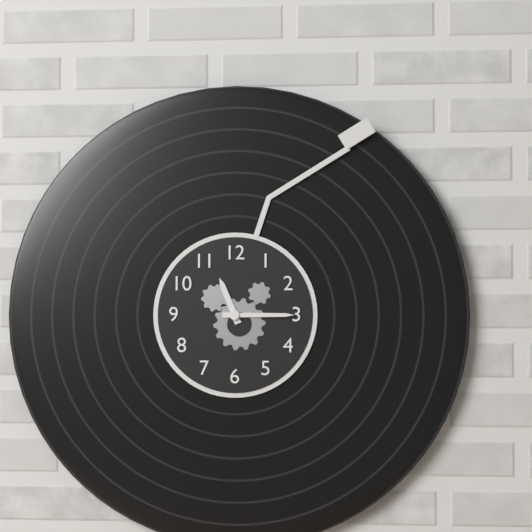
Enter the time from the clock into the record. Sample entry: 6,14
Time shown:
11,15
